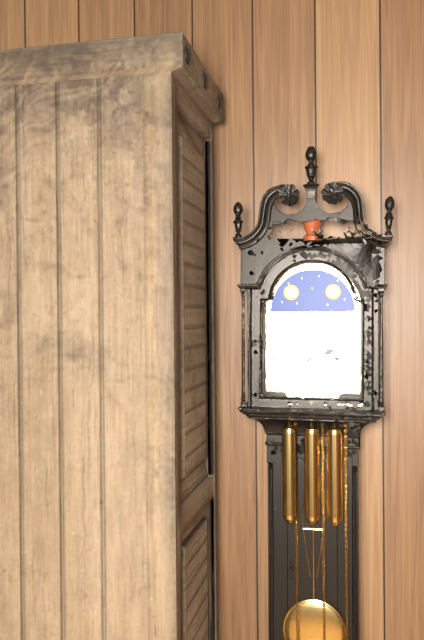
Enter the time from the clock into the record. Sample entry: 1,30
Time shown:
2,15
